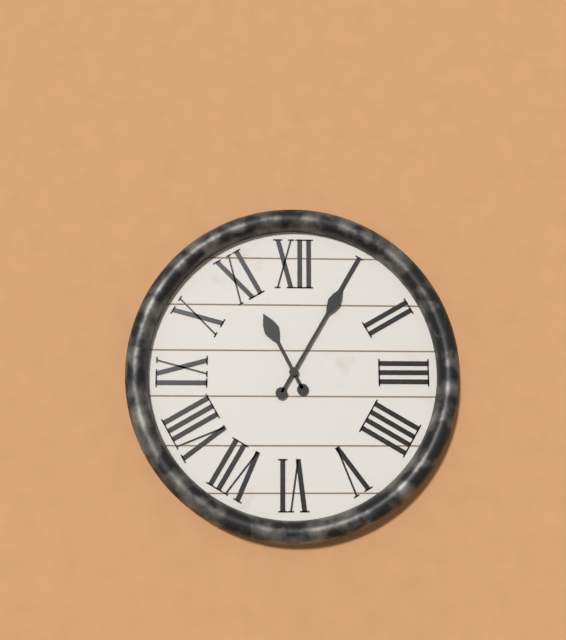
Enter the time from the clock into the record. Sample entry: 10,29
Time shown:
11,05
